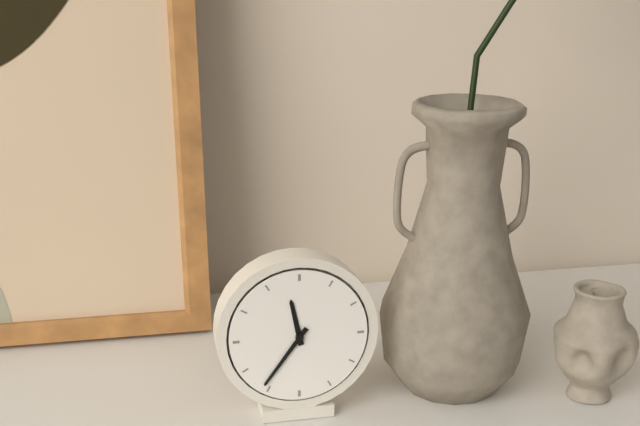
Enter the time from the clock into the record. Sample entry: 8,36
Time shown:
11,36
